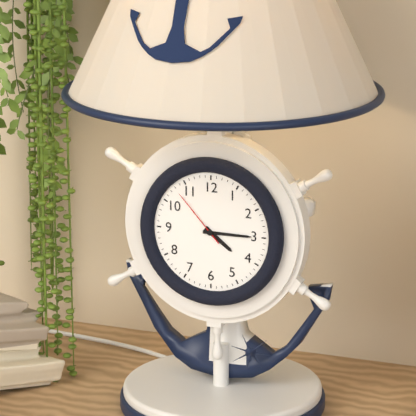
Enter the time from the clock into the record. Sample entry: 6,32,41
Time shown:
4,15,53
